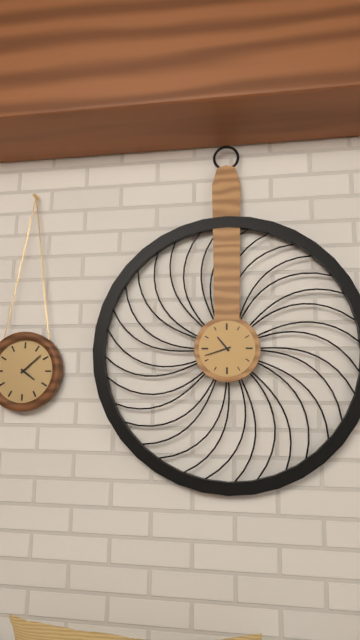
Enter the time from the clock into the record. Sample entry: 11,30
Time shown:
10,42
